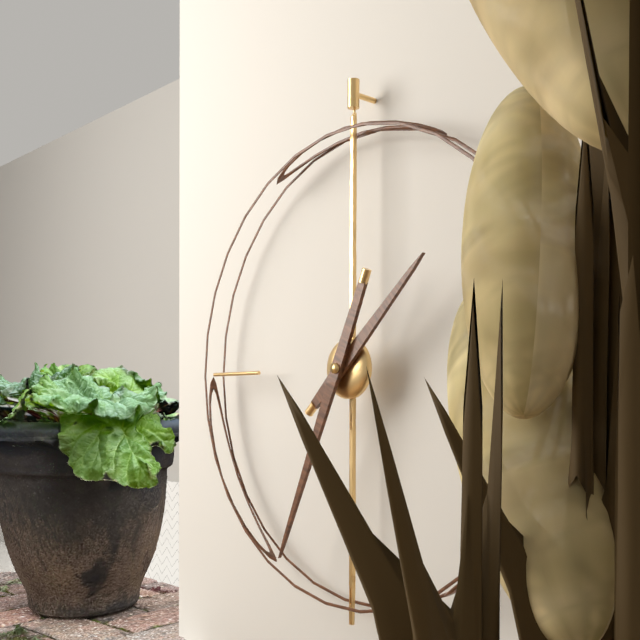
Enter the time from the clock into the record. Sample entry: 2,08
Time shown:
1,34
